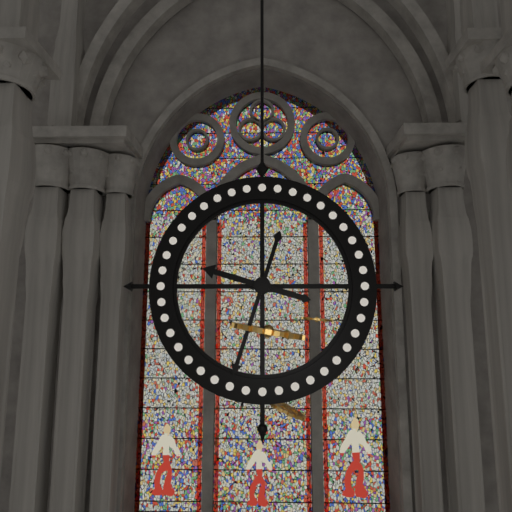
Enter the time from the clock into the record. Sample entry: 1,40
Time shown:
9,33
